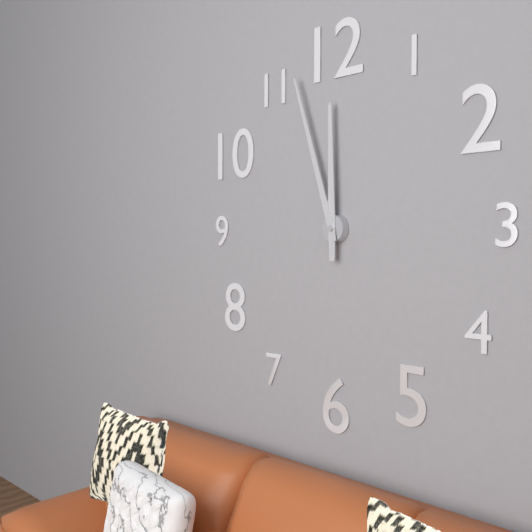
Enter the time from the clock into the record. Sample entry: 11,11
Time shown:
11,57
